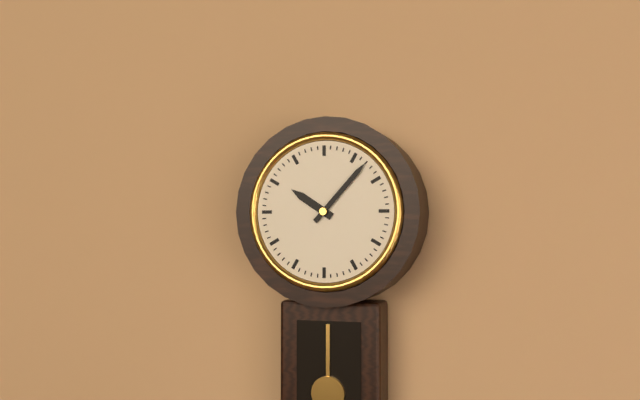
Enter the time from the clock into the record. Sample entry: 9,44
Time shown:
10,07
